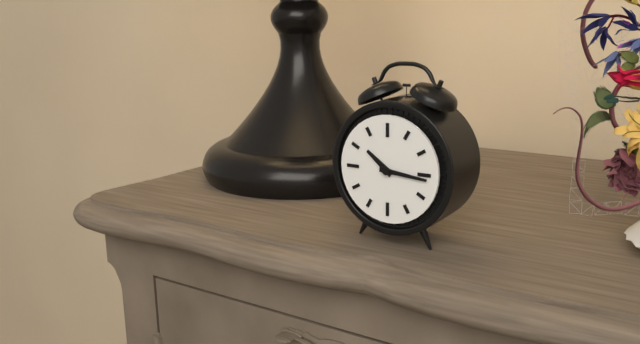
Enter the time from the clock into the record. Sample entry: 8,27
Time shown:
10,16
